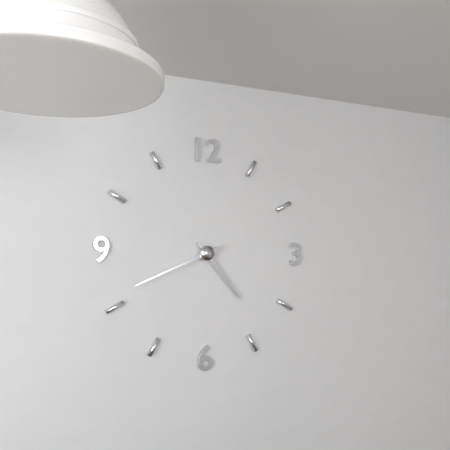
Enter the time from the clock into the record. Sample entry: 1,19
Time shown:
4,41
